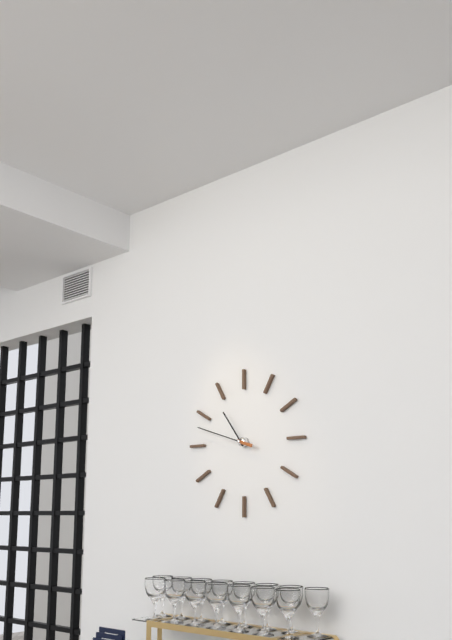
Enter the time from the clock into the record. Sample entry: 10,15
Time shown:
10,48
